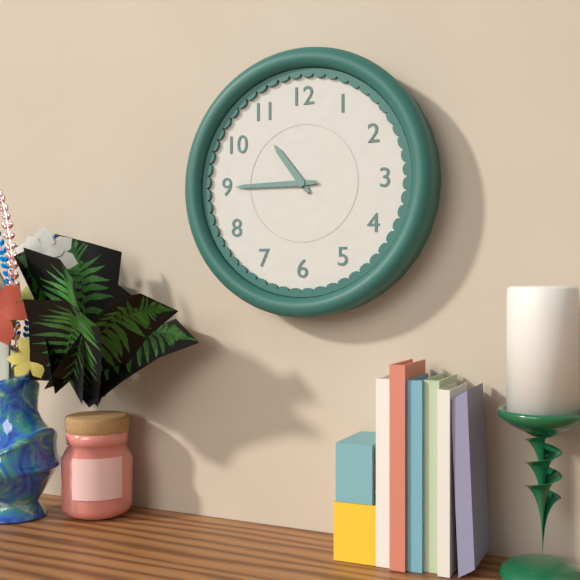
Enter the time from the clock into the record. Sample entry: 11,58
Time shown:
10,45
